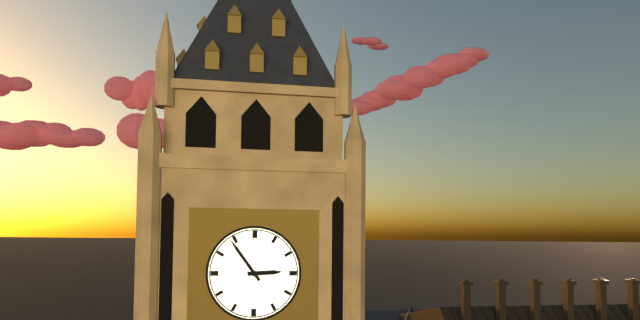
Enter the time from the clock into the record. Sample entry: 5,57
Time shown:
2,54
